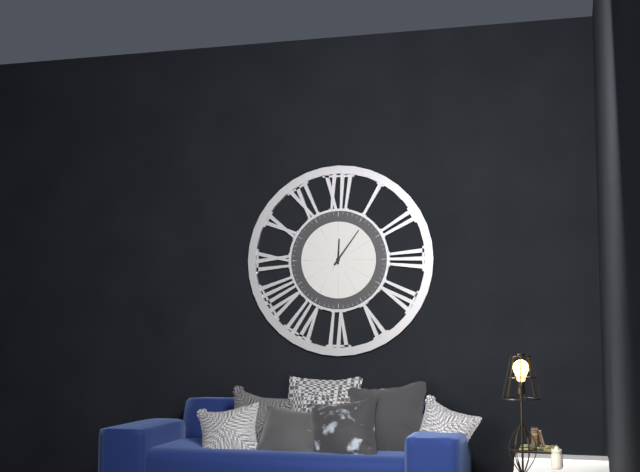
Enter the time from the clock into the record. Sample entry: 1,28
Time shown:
12,06
